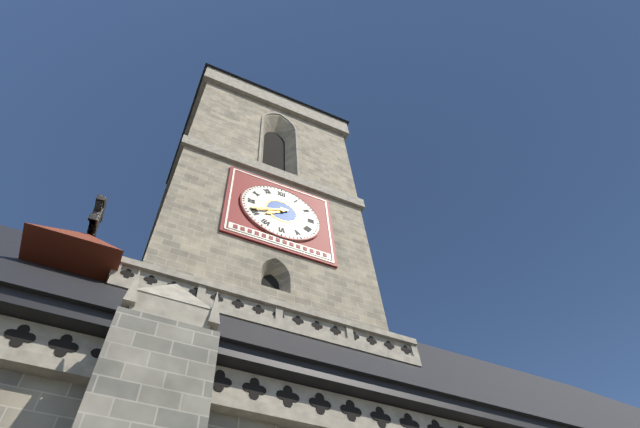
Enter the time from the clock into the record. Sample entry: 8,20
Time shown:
7,41
